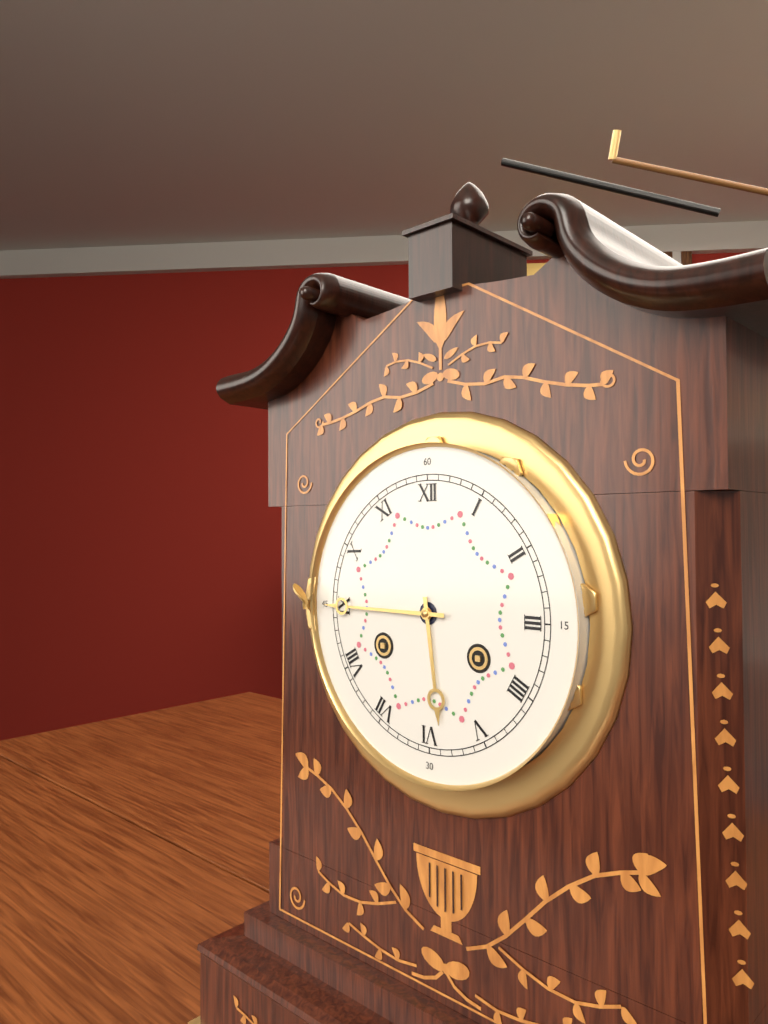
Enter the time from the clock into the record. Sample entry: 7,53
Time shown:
5,45
